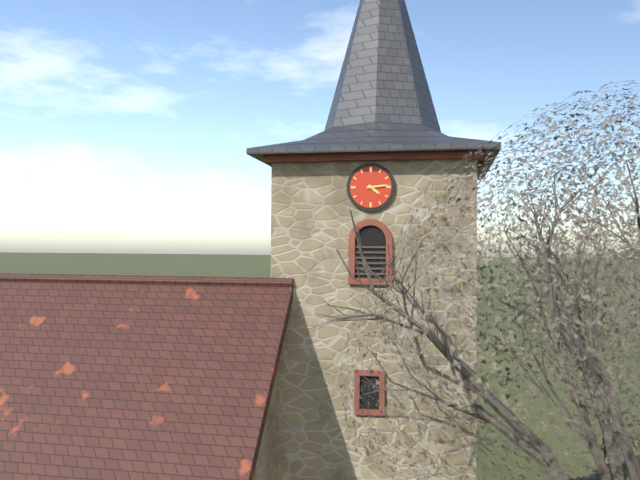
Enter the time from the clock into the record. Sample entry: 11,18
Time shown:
4,14
